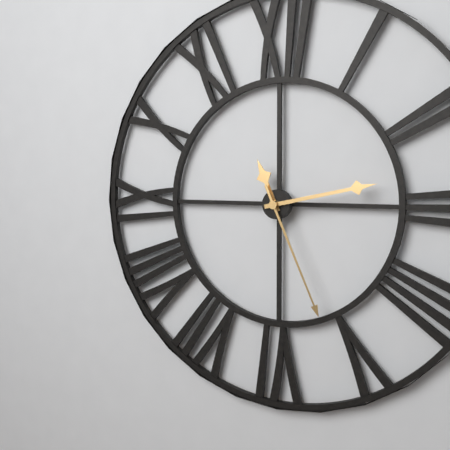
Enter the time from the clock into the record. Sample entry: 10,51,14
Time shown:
11,13,26
